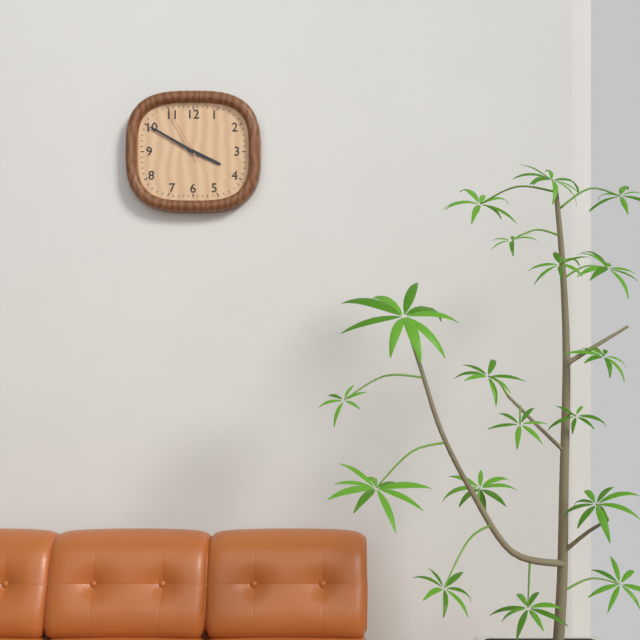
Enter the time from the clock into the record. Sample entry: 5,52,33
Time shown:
3,50,55
